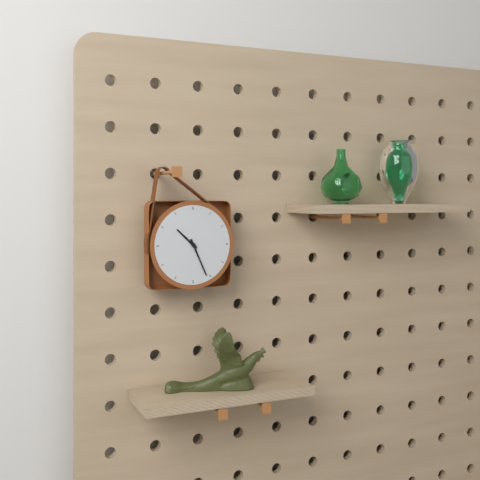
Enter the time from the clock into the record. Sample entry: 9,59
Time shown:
10,26
